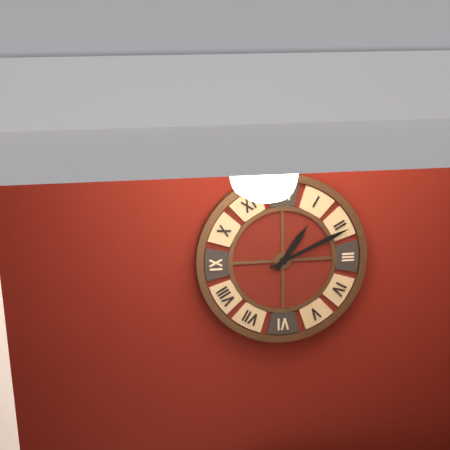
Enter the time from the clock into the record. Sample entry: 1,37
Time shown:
1,11
